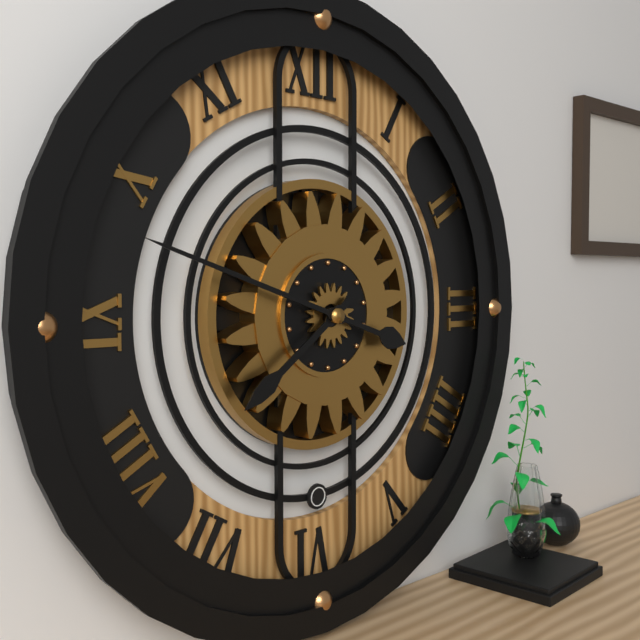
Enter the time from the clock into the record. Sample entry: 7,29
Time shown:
7,48
